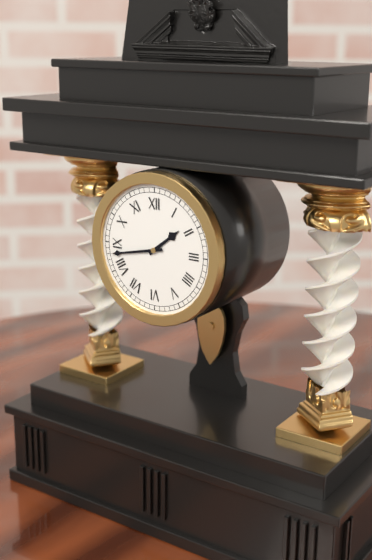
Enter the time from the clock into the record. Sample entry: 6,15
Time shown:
1,43
